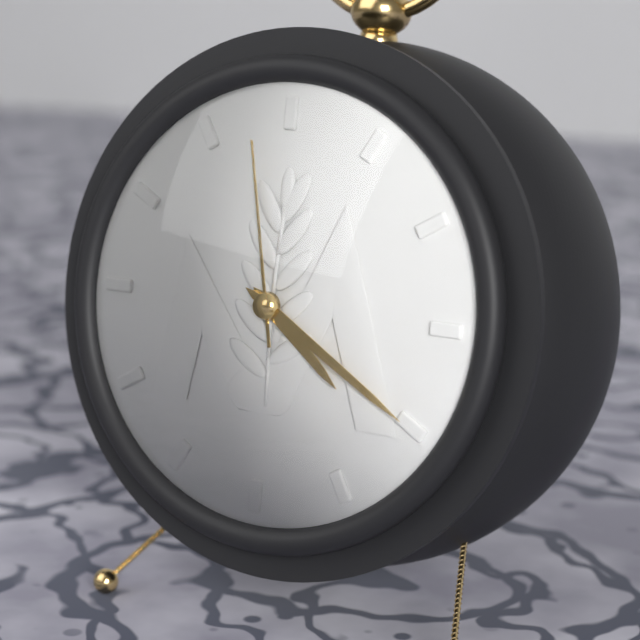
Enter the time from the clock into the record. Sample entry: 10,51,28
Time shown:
4,20,58
